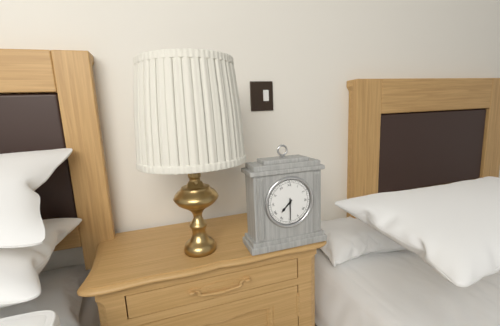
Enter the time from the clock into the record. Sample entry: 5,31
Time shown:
7,30
